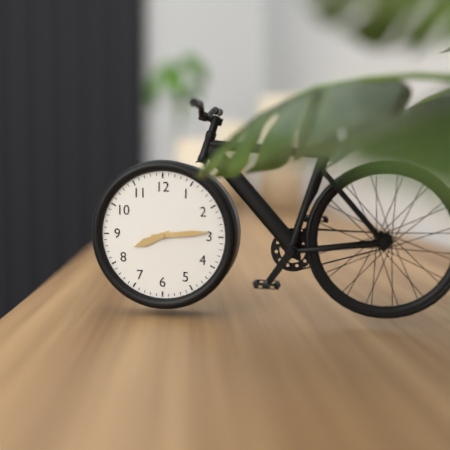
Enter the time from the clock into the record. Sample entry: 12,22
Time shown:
8,14
